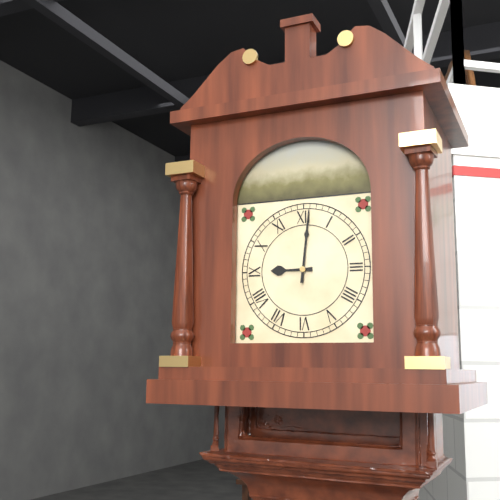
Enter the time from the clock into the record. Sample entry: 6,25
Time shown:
9,01
